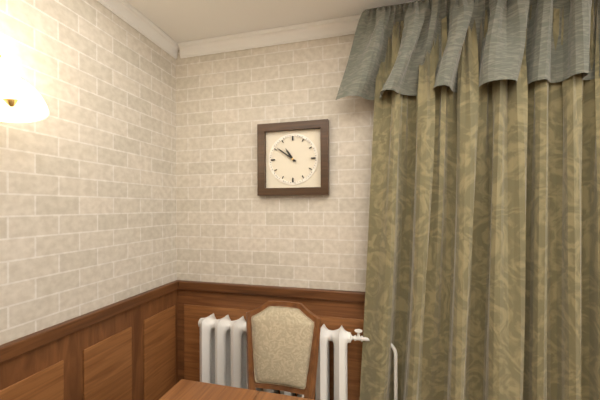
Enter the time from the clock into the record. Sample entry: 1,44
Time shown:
10,51
